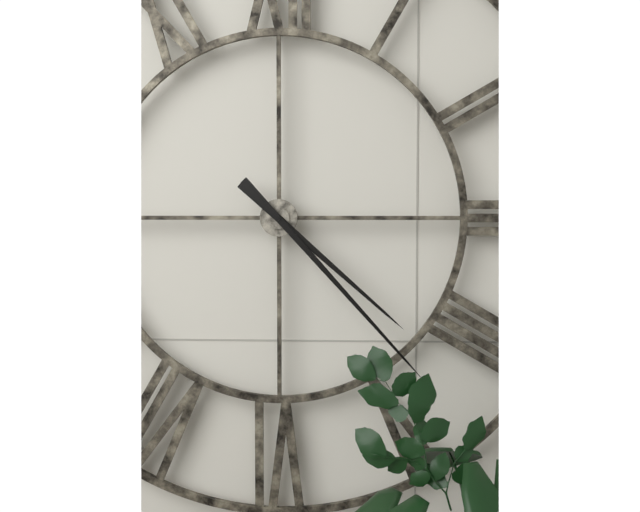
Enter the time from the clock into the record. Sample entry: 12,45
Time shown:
4,23
